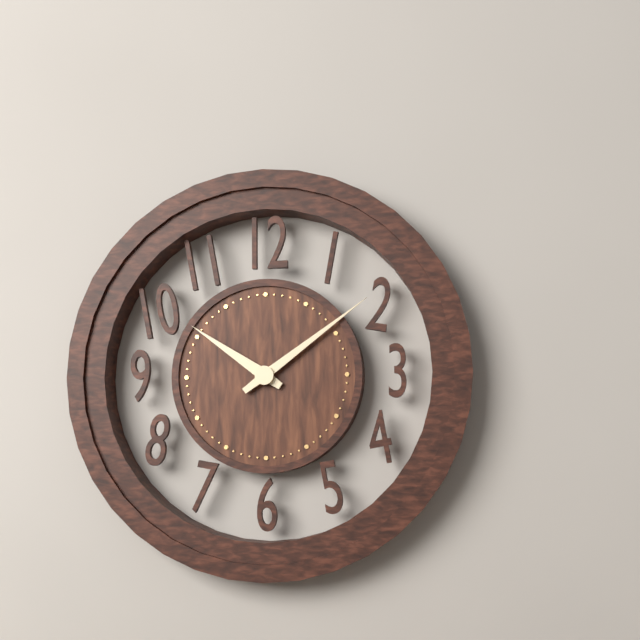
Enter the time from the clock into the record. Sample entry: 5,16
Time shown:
10,09
